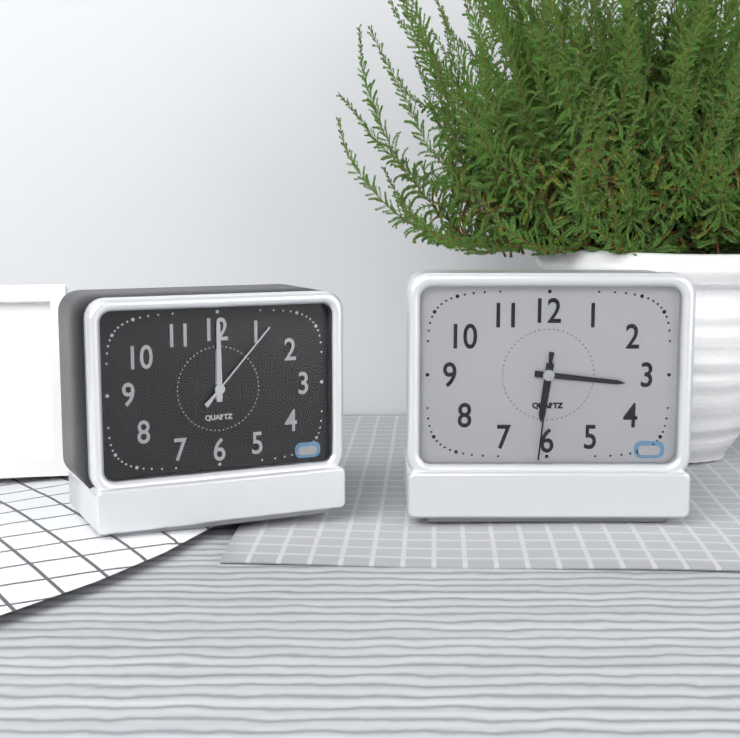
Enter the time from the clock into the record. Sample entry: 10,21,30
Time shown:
6,16,31
